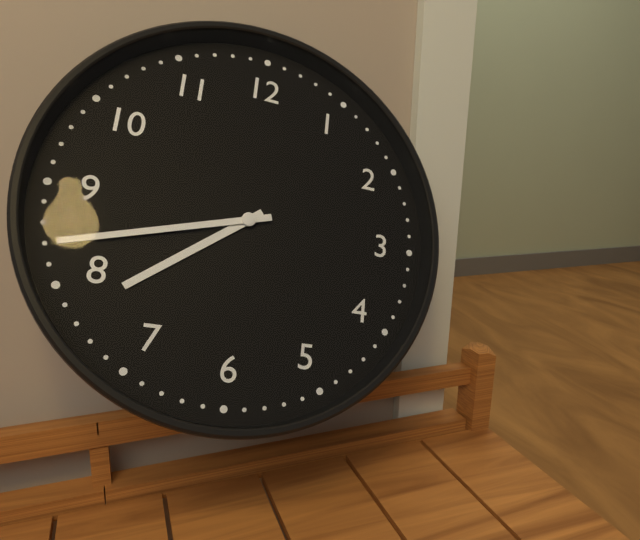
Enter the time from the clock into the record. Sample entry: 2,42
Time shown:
7,42
